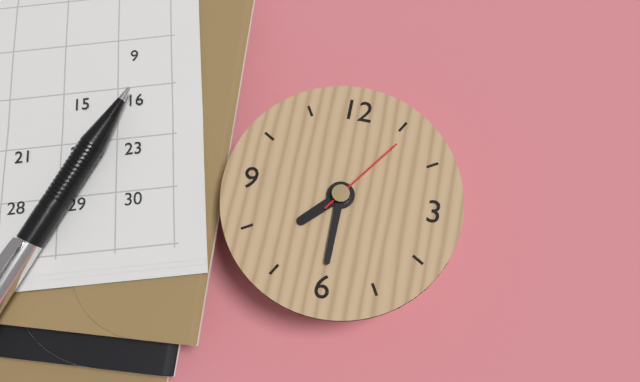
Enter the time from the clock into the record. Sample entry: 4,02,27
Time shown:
7,30,06
